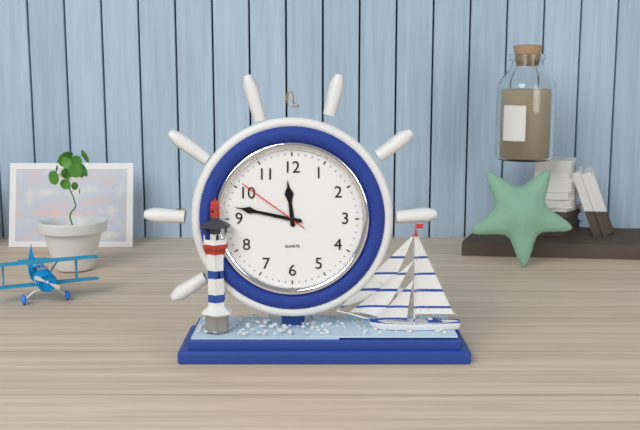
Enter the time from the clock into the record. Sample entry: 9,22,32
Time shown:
11,47,51
